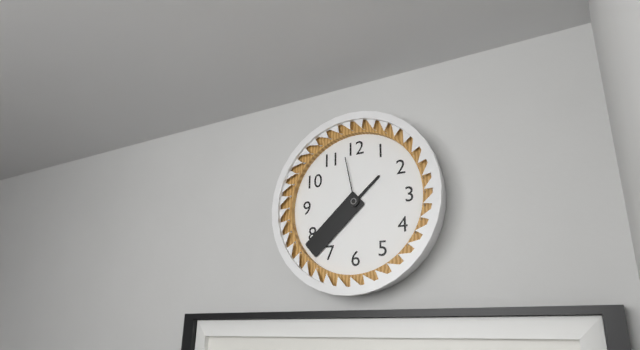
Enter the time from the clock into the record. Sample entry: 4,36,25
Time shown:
1,38,58
